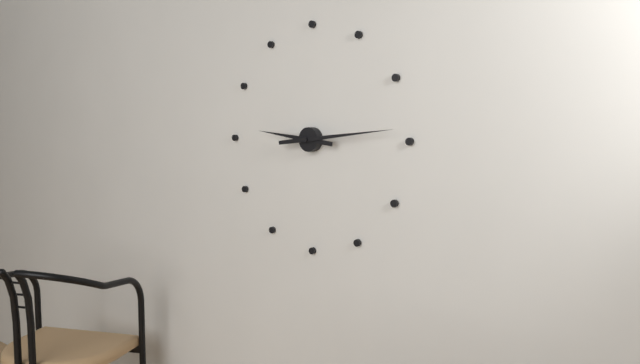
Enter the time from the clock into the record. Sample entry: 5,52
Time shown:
9,14
